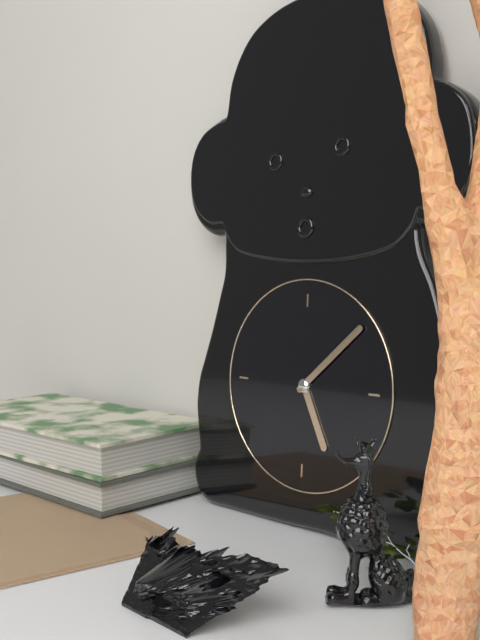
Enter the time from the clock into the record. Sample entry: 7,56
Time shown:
5,08
